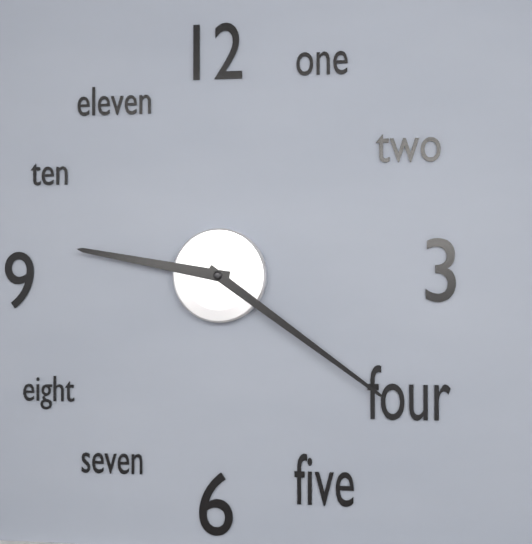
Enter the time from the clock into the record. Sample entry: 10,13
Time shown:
9,21
